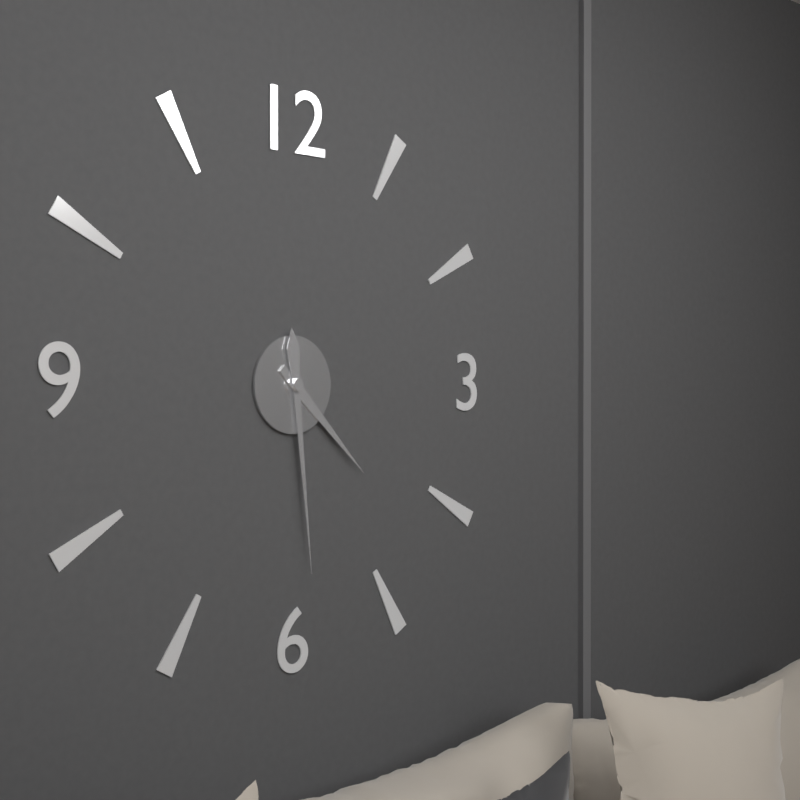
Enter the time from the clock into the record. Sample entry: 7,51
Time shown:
4,29
